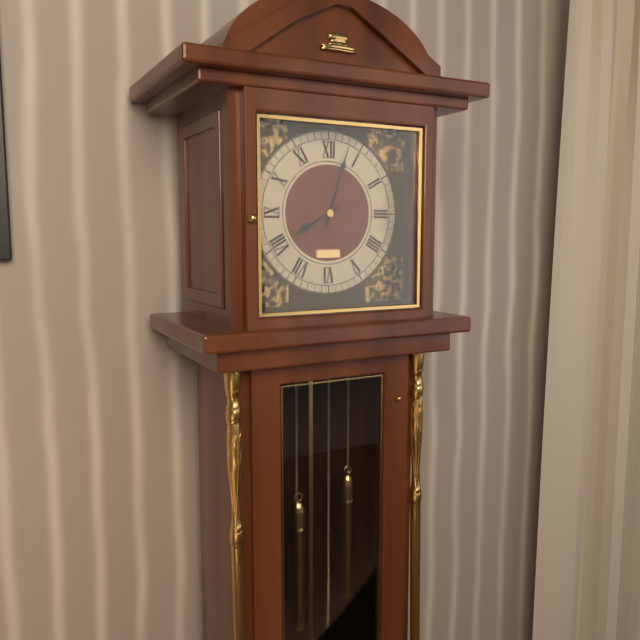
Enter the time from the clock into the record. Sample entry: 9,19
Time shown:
8,03
